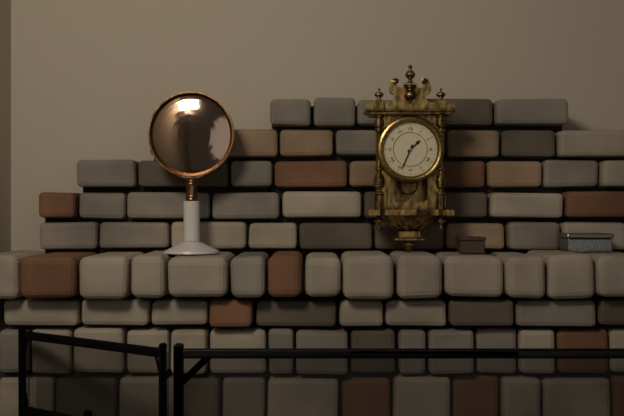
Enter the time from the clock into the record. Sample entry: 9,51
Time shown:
1,34
